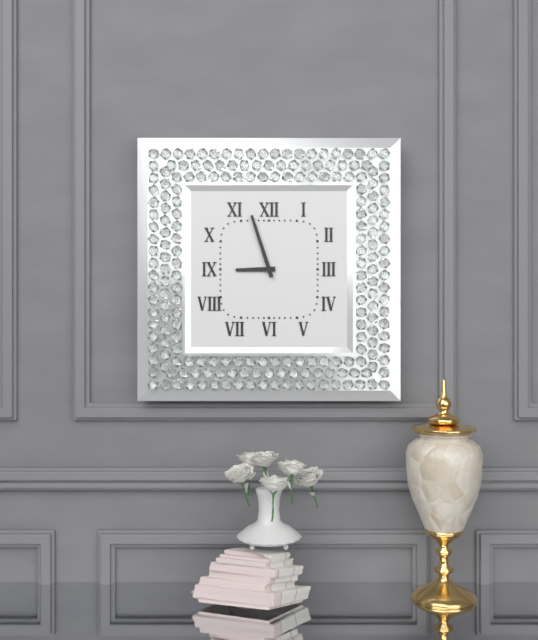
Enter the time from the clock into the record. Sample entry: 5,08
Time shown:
8,57
